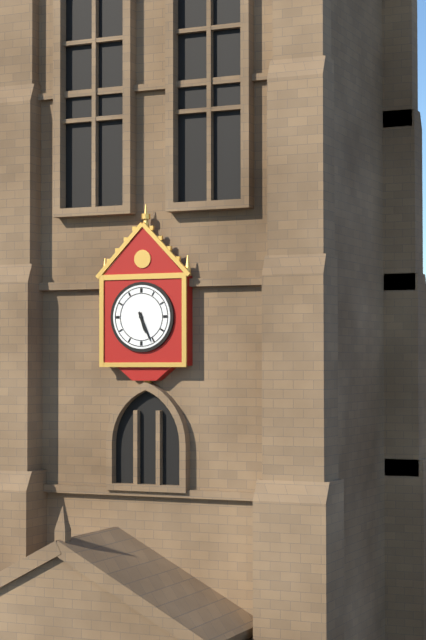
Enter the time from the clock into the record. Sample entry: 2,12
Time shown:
5,26
